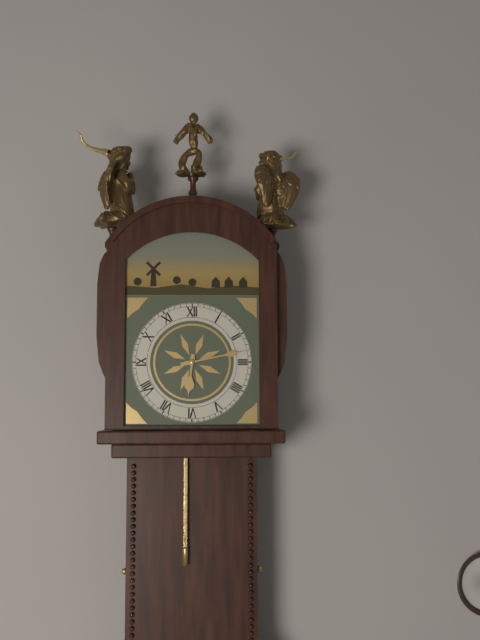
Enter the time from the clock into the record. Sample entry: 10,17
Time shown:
6,13
